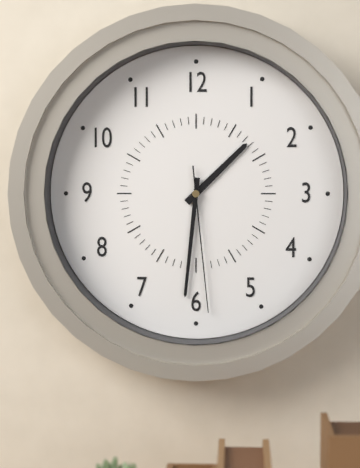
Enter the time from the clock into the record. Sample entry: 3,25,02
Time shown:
1,31,29
